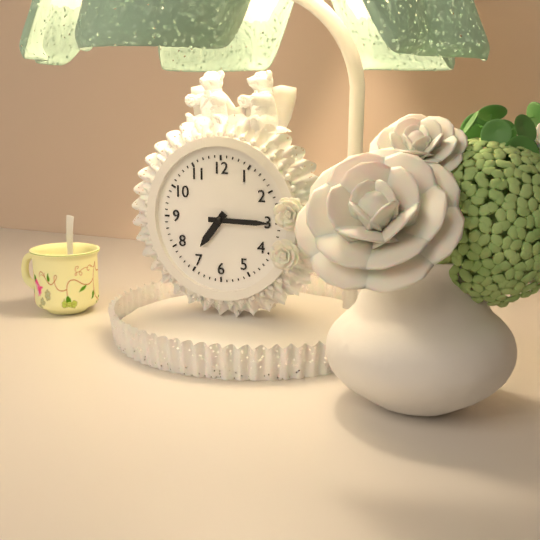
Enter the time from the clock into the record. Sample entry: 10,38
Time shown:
7,15
